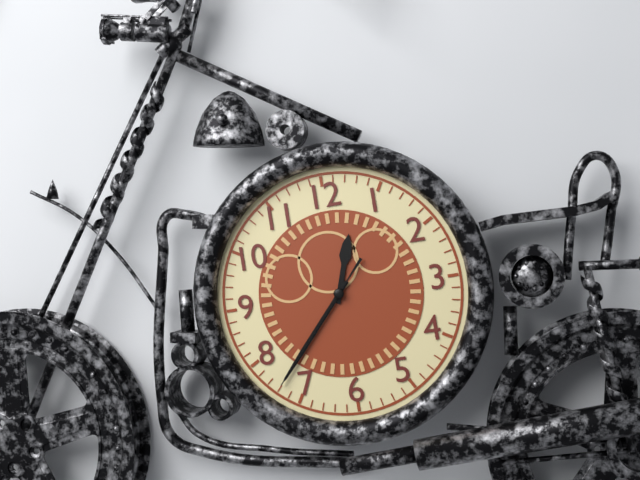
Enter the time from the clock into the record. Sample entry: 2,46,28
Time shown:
12,37,37
